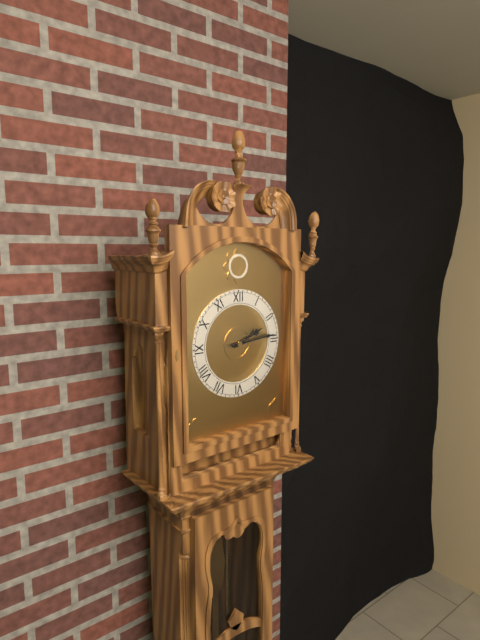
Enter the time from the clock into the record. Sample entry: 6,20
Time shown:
2,14
